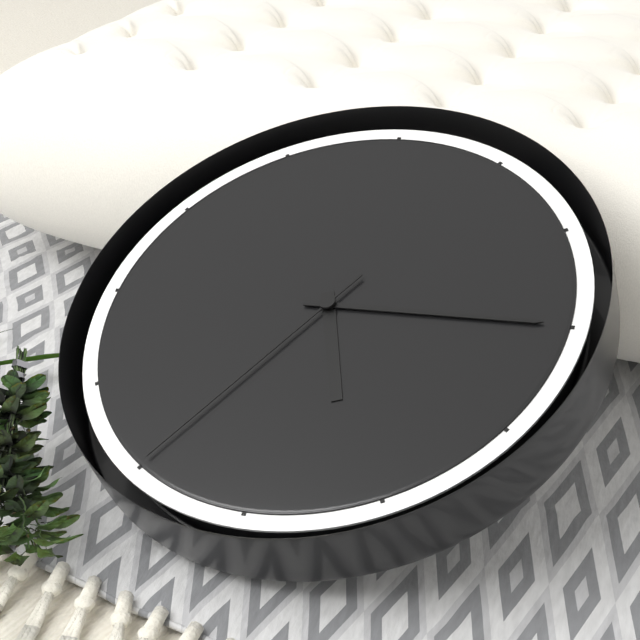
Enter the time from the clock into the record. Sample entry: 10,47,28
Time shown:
5,15,35
